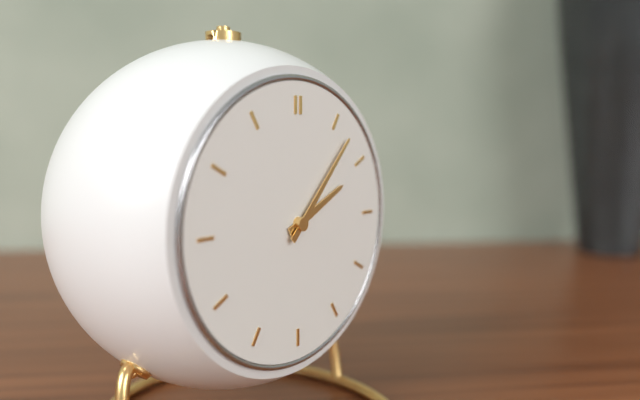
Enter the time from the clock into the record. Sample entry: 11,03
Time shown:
2,07
